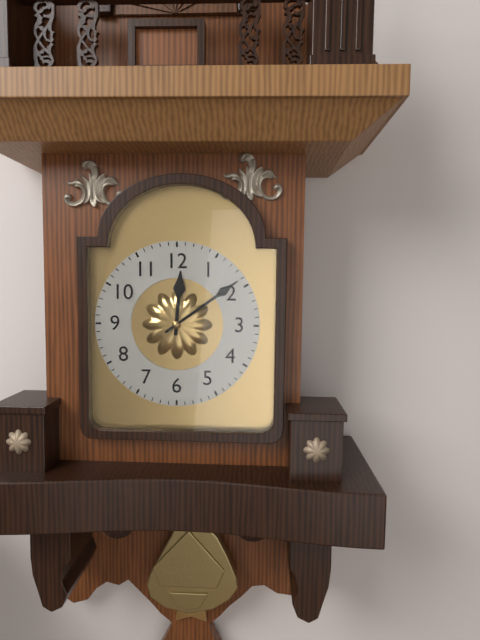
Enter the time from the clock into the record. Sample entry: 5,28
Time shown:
12,09
